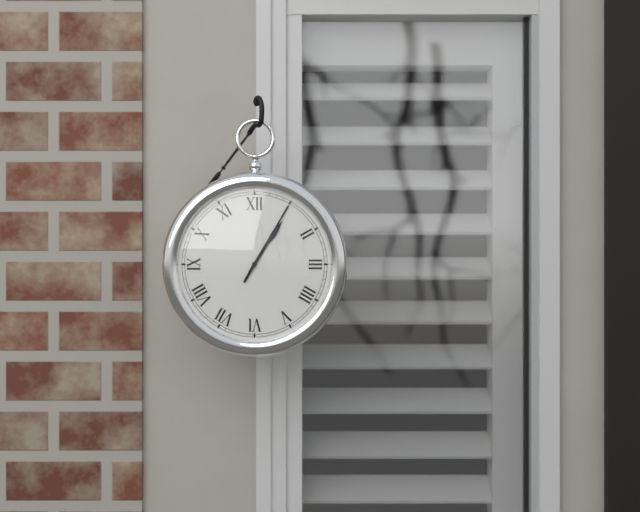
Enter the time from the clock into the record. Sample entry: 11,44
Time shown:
1,05
